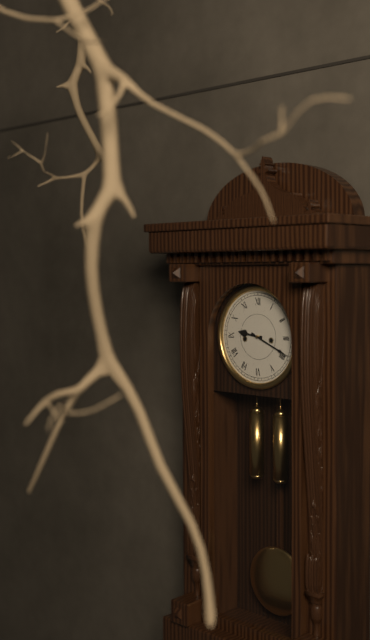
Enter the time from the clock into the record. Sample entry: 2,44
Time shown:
9,19
